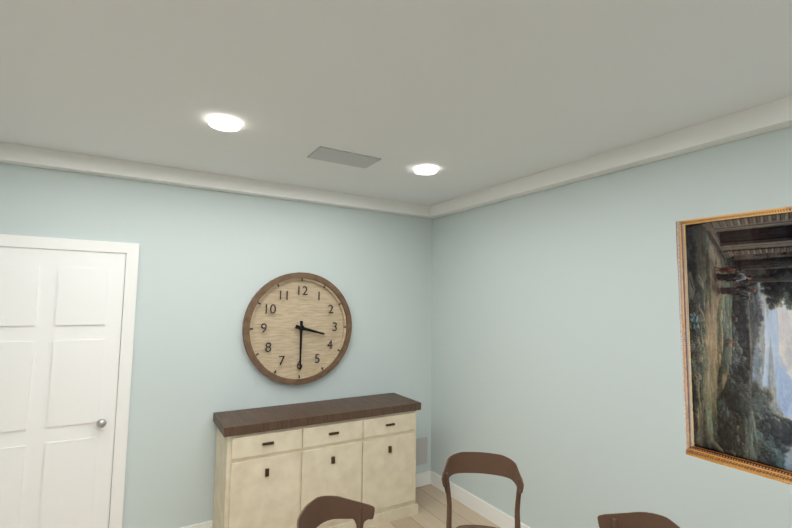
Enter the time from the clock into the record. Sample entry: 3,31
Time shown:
3,30
